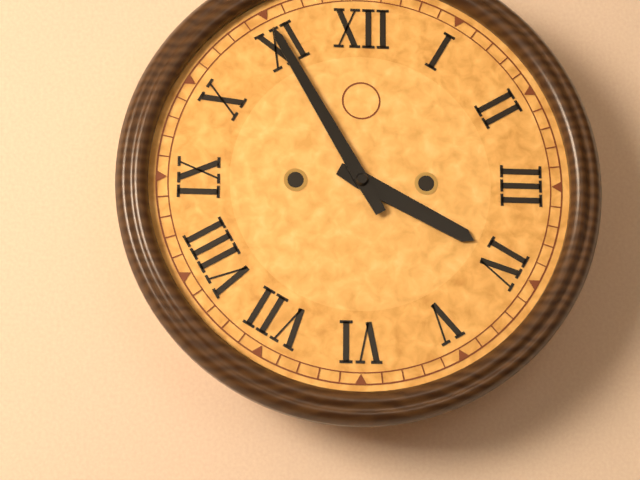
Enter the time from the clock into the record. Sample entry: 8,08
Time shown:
3,55
